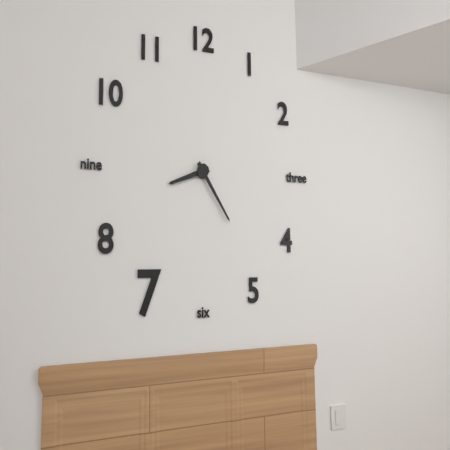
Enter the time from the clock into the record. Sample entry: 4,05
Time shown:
8,24
